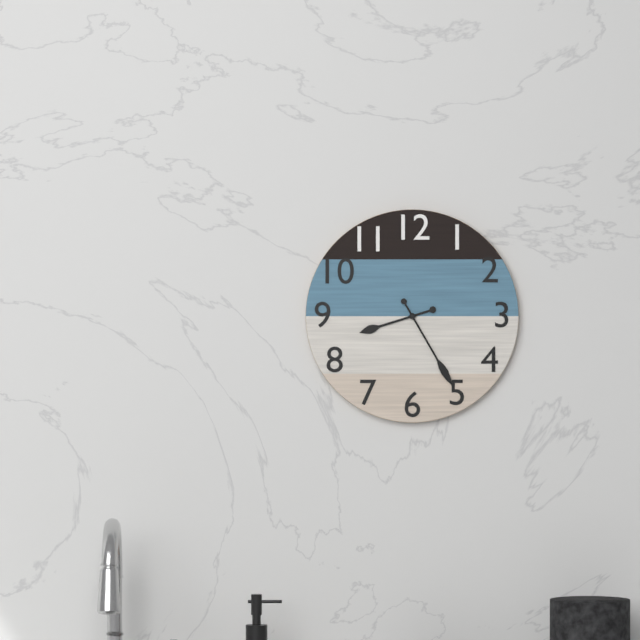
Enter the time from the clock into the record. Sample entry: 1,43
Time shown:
8,25
